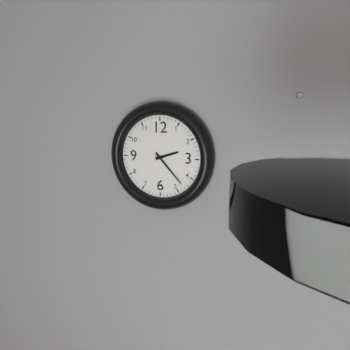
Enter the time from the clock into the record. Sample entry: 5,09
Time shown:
2,23
